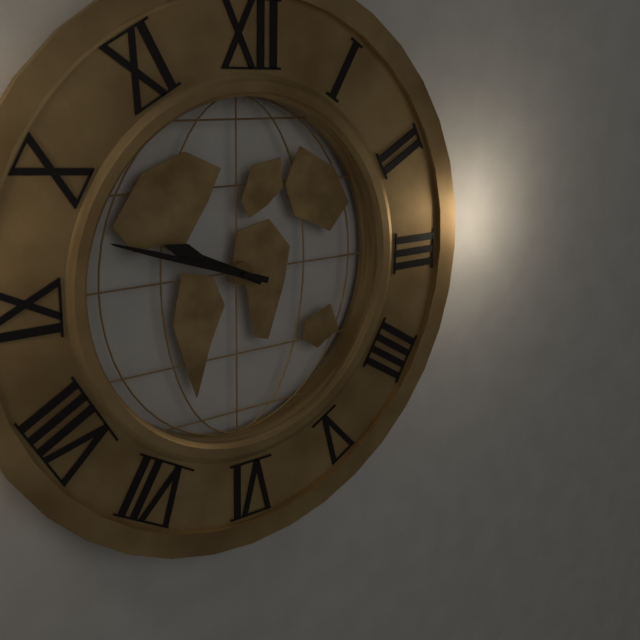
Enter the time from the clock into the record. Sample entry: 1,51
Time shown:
9,48
